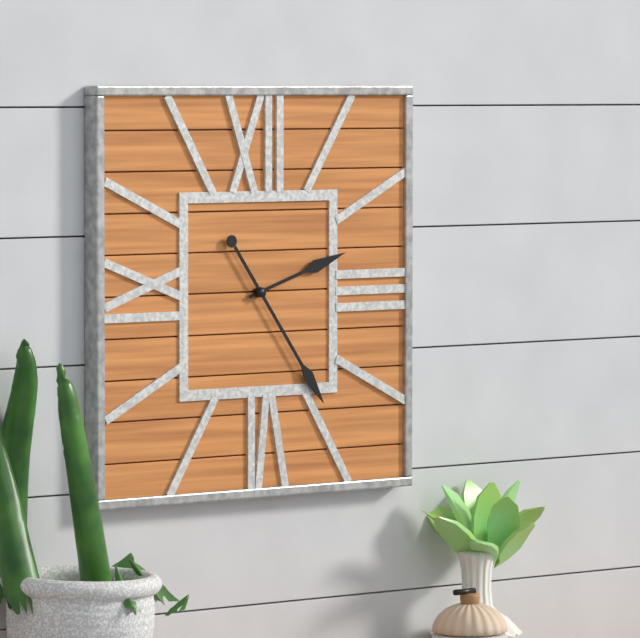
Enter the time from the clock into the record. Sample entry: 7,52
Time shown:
2,24
